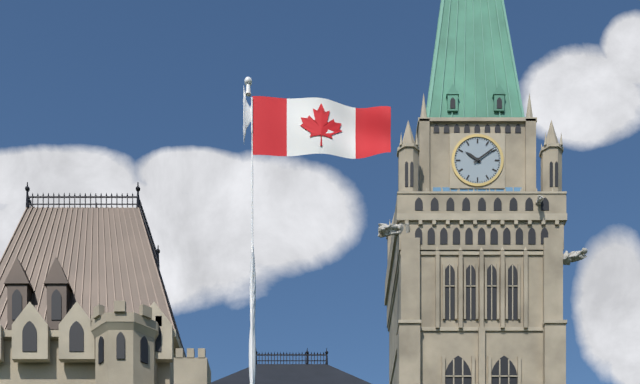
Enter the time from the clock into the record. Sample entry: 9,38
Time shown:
10,09
